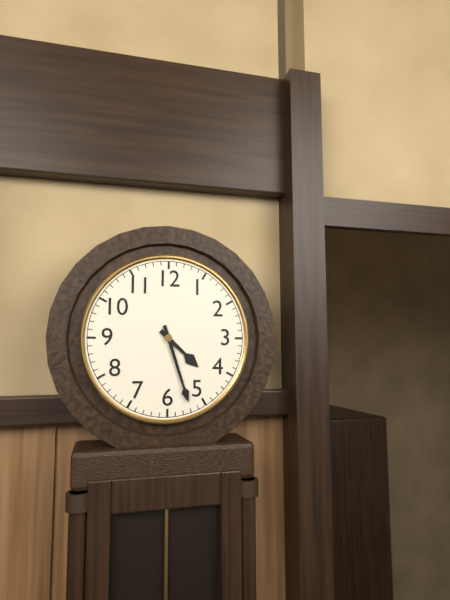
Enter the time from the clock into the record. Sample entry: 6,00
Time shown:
4,27
